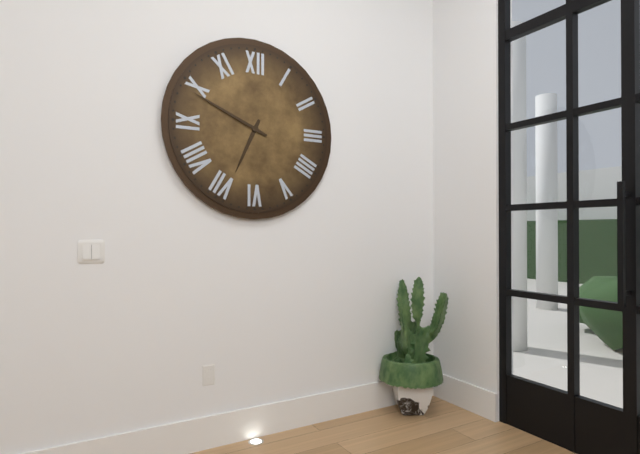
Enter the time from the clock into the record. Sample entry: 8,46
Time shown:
6,49
